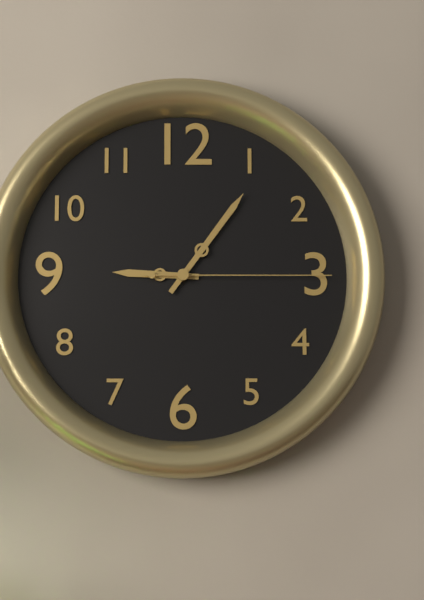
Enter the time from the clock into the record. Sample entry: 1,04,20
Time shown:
9,06,15
